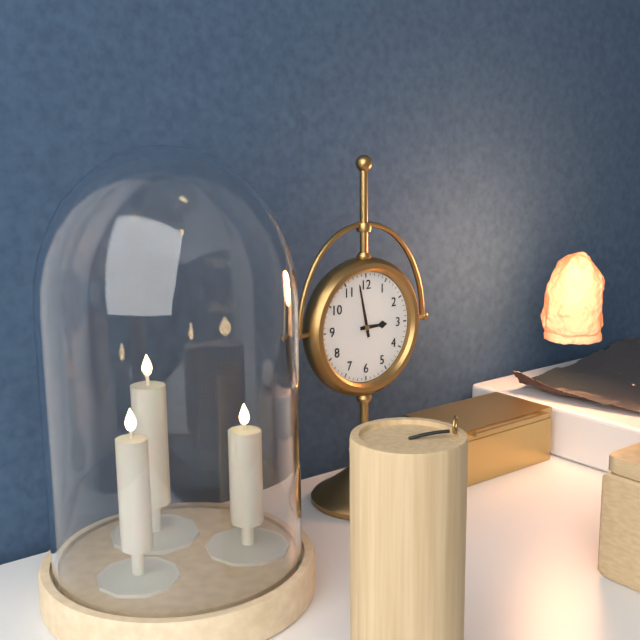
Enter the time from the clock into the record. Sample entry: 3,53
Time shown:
2,58
